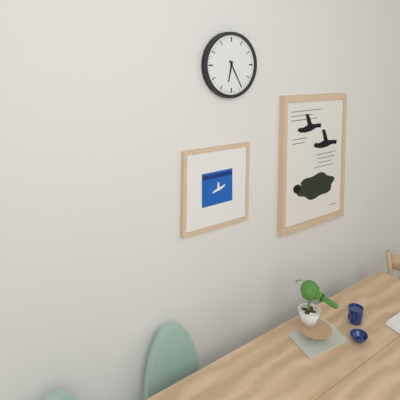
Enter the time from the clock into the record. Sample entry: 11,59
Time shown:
6,25
